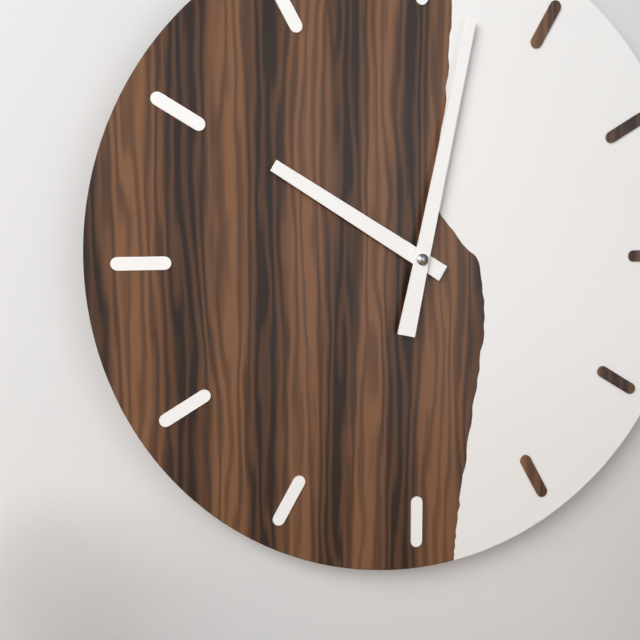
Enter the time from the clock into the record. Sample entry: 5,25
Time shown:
10,02
